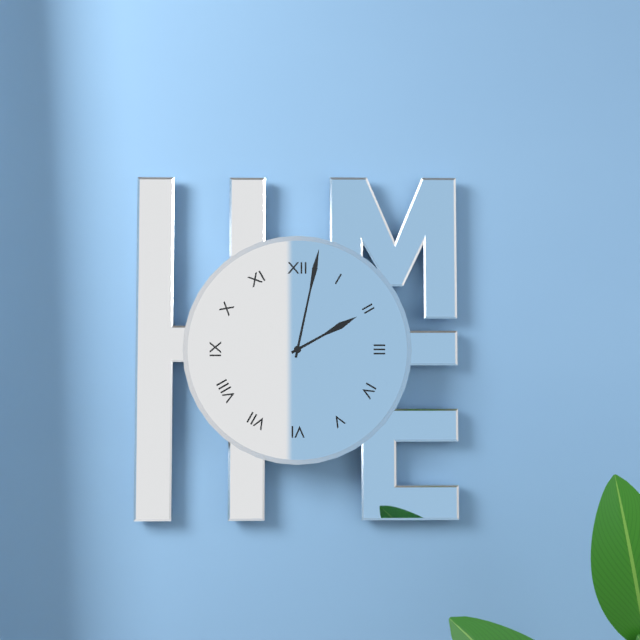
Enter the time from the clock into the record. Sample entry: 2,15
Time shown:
2,02
